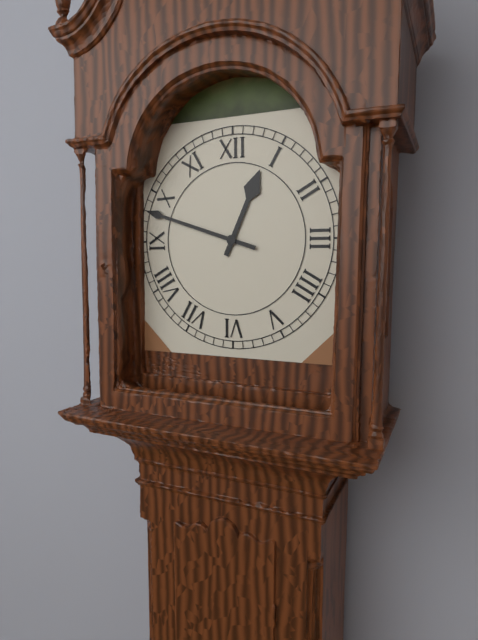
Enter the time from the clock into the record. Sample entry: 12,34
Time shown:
12,48
